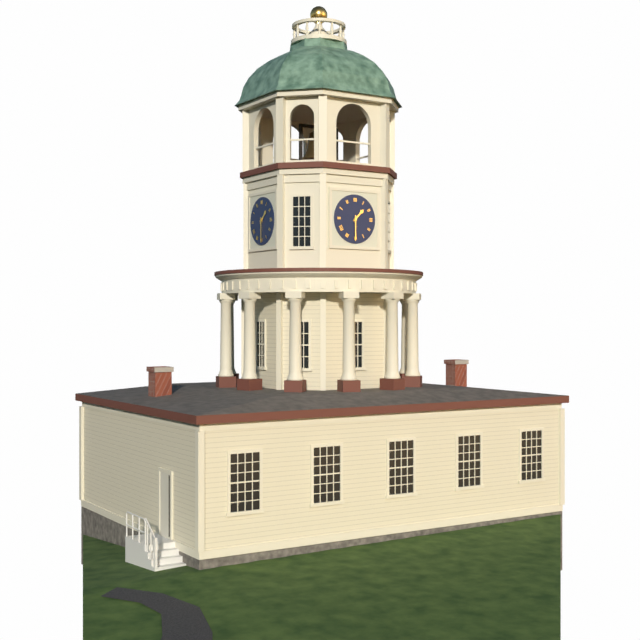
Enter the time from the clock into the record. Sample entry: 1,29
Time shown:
1,30
